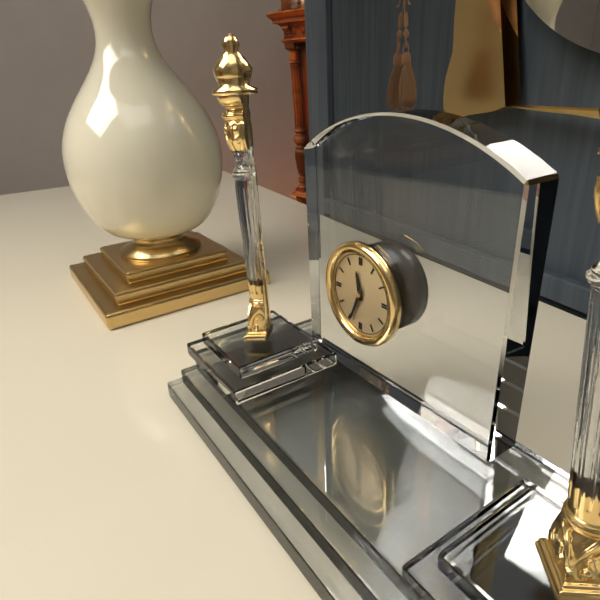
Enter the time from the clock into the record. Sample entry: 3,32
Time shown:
11,34
